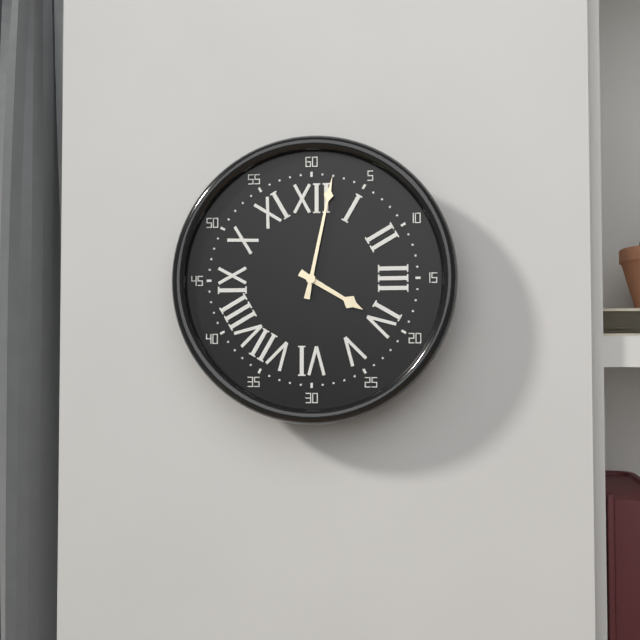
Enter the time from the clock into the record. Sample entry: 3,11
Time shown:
4,02
